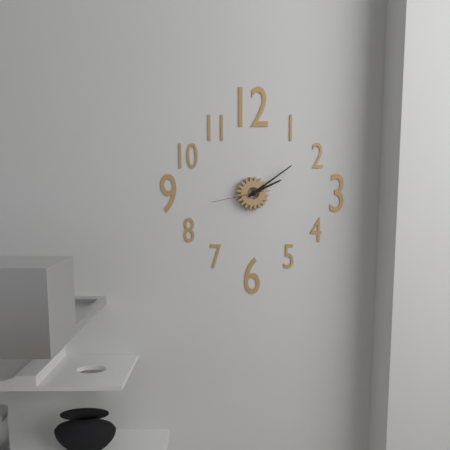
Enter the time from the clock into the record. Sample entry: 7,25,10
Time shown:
2,09,43
